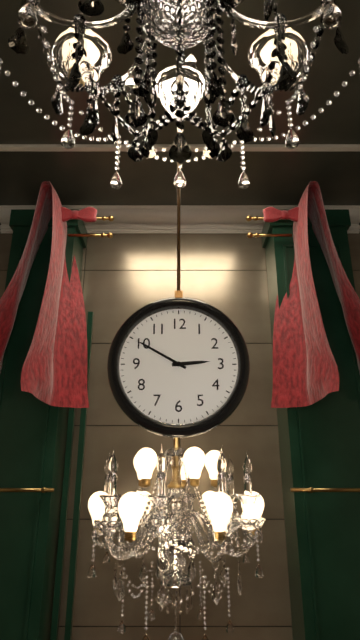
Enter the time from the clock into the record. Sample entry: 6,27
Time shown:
2,50
